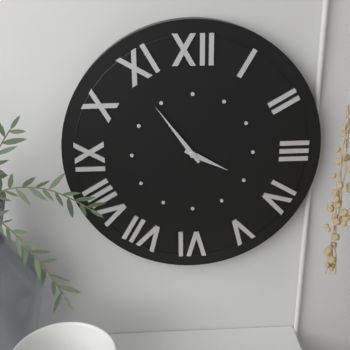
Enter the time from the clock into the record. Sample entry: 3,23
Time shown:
3,54
